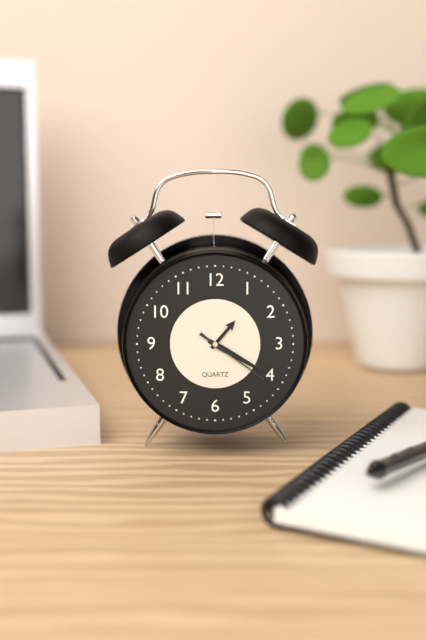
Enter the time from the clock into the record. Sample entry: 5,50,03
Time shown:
1,20,21
